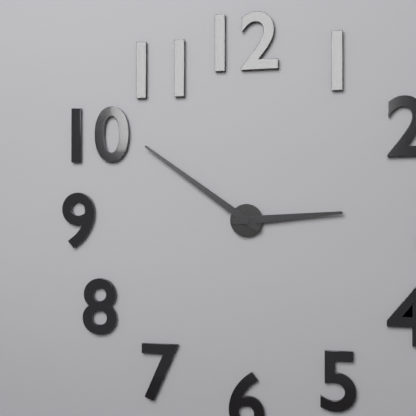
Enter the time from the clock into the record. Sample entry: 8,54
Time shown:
2,51
